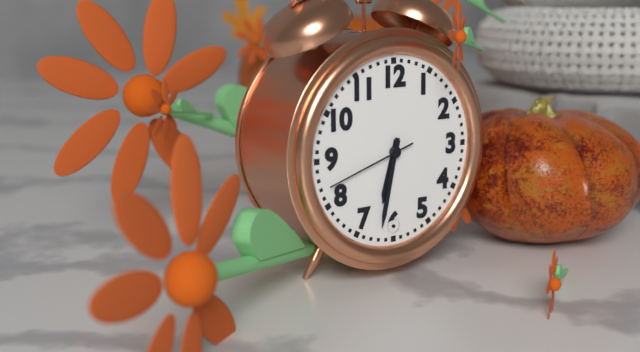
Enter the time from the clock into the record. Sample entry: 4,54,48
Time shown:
6,32,42
